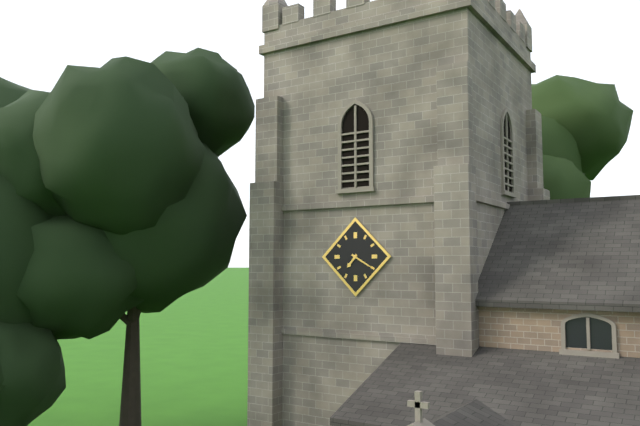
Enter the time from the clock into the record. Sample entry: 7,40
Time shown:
7,20
